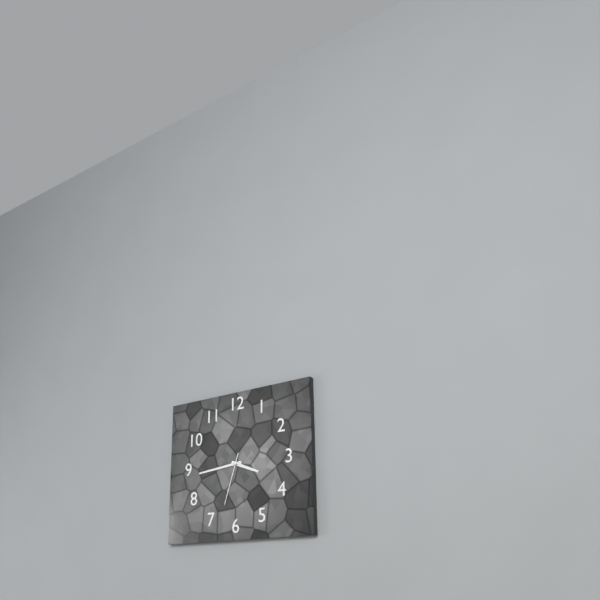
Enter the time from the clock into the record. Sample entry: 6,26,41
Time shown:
3,44,33
